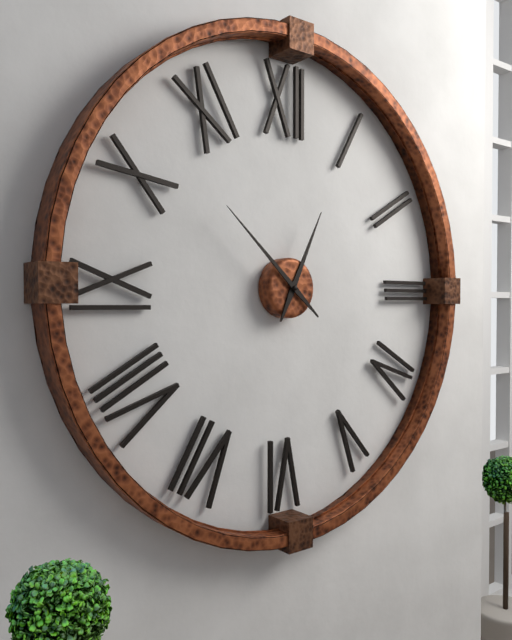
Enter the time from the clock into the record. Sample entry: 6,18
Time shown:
12,52
